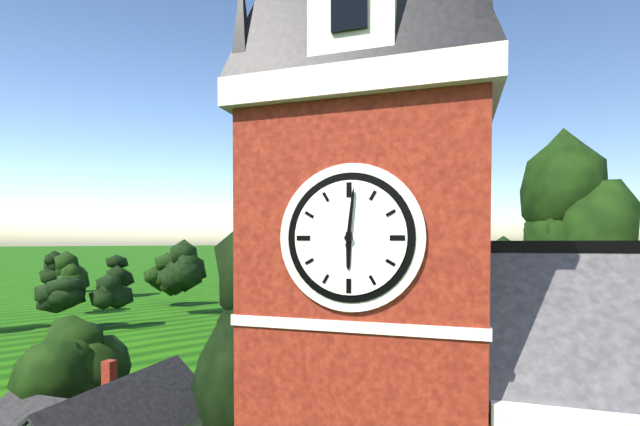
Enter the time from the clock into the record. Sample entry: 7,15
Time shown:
6,01
